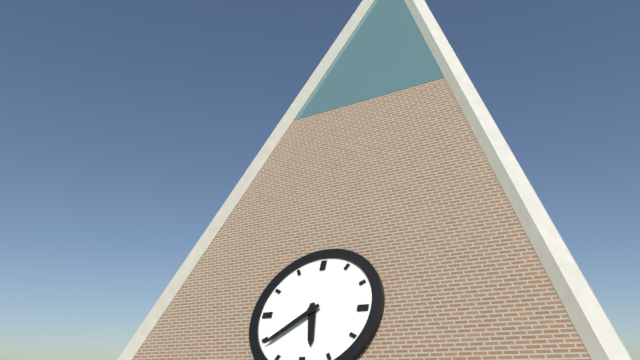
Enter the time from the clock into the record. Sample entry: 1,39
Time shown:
5,39
